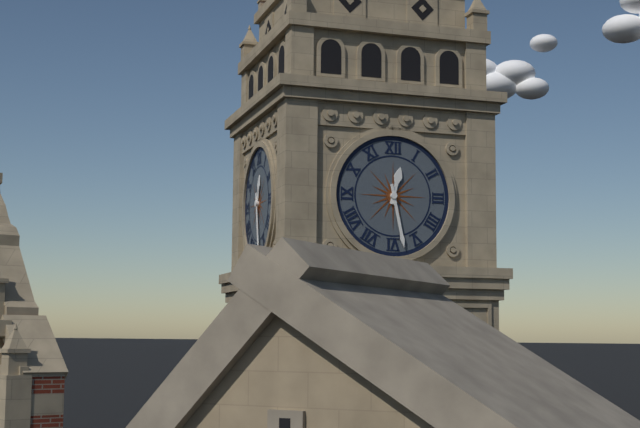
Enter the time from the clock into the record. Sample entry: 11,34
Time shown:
12,28
